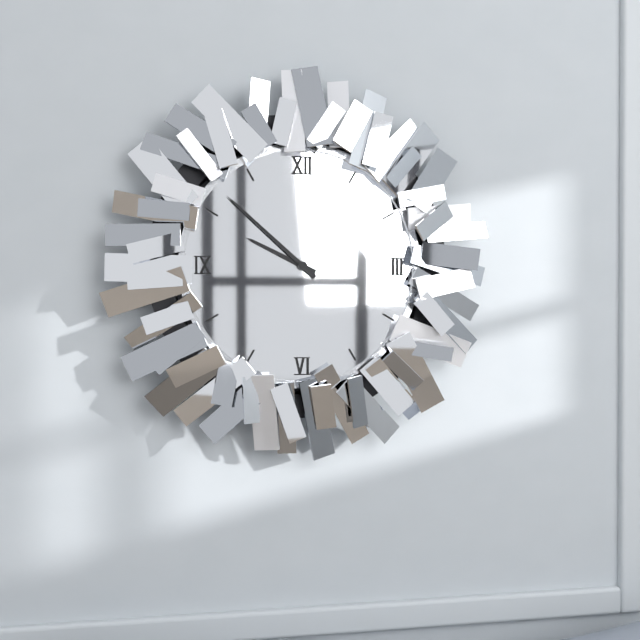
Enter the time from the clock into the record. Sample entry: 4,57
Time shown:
9,52
